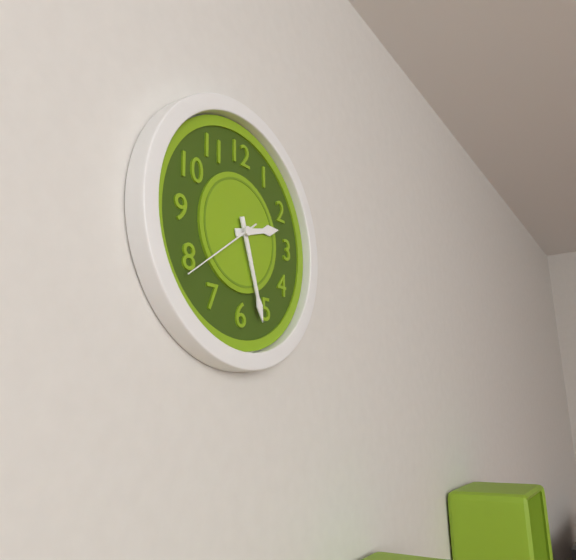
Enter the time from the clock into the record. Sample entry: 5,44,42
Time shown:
2,27,39
